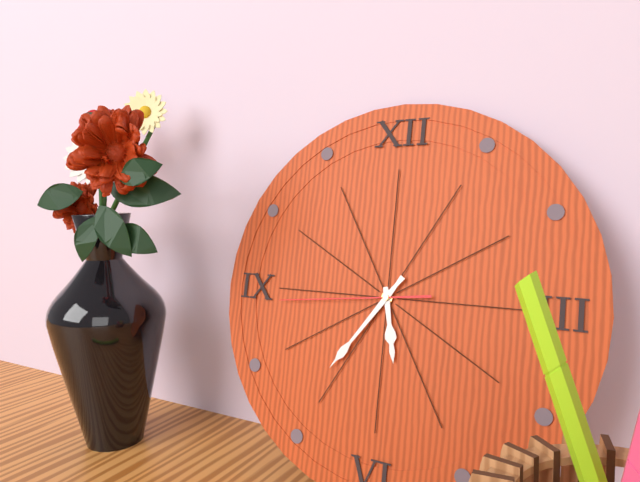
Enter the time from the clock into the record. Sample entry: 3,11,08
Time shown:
5,36,44
